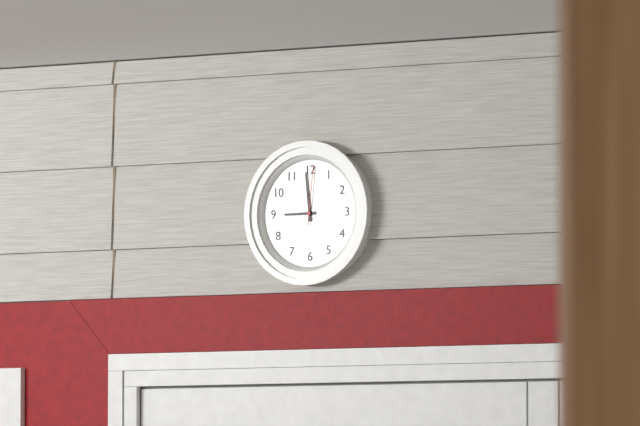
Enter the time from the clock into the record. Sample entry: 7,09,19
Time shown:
8,59,01
